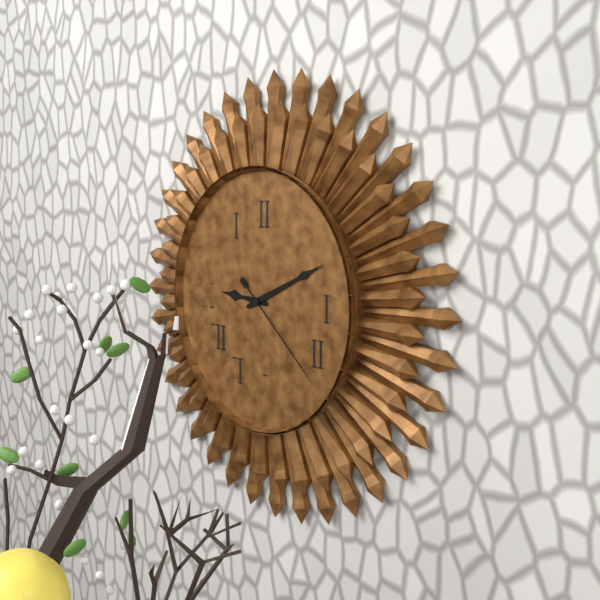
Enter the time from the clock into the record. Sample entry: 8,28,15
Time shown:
9,11,22
